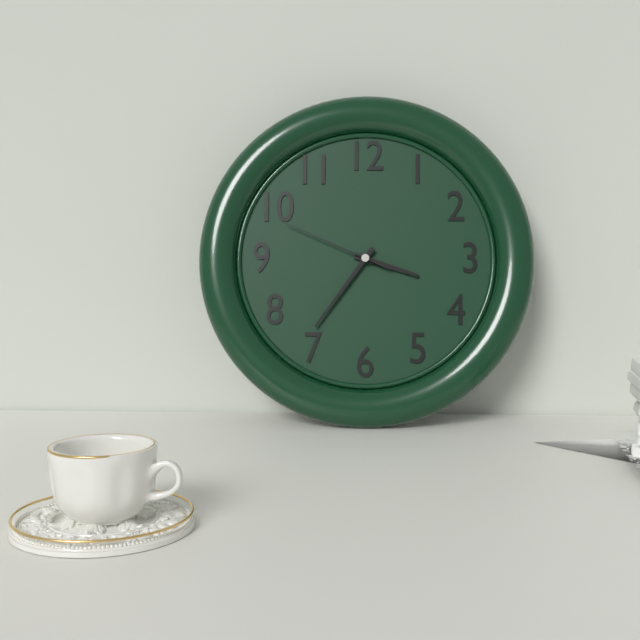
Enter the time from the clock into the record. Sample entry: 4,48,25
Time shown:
3,36,49
